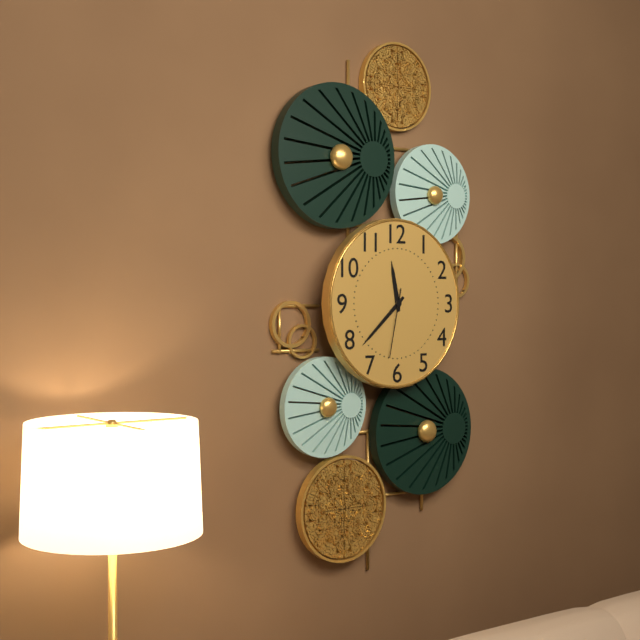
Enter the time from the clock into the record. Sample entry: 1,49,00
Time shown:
11,38,32
